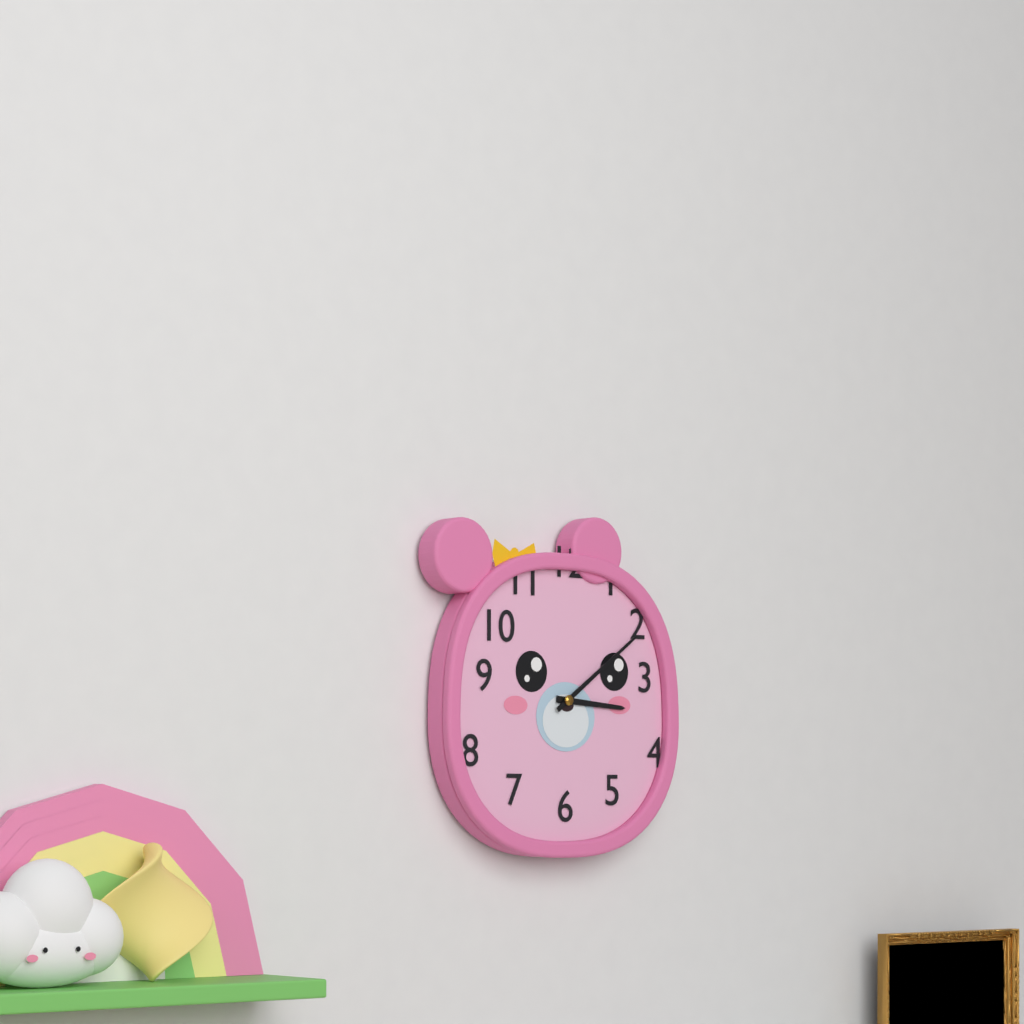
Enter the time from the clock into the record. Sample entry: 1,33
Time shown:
3,09
